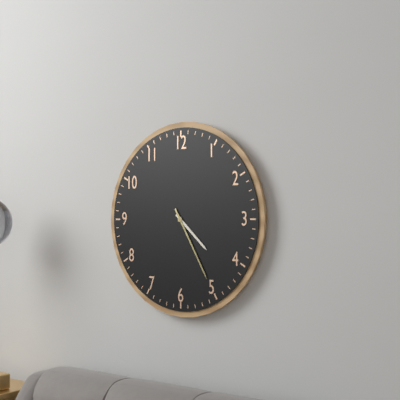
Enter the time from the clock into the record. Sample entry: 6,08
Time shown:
4,25
